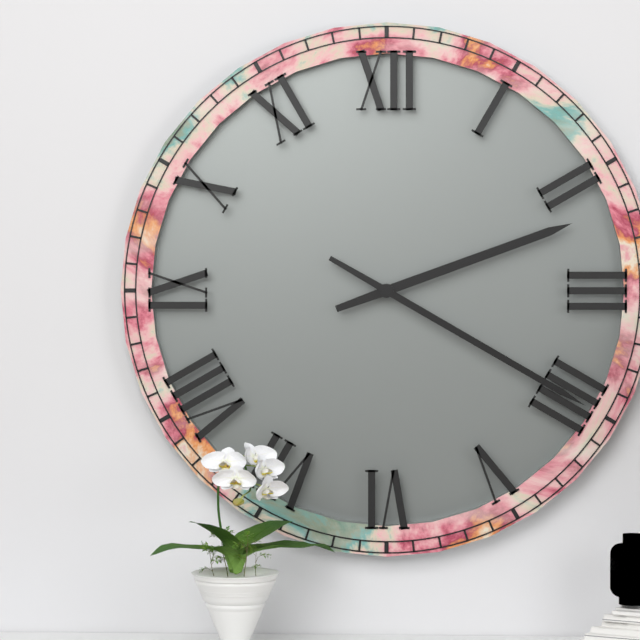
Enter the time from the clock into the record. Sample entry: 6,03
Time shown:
2,20
